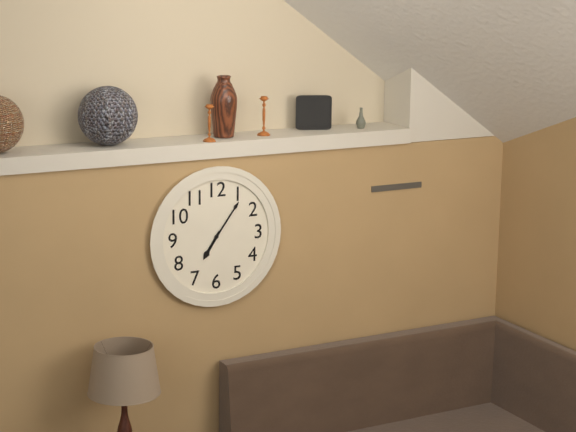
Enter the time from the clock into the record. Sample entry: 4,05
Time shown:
7,06
